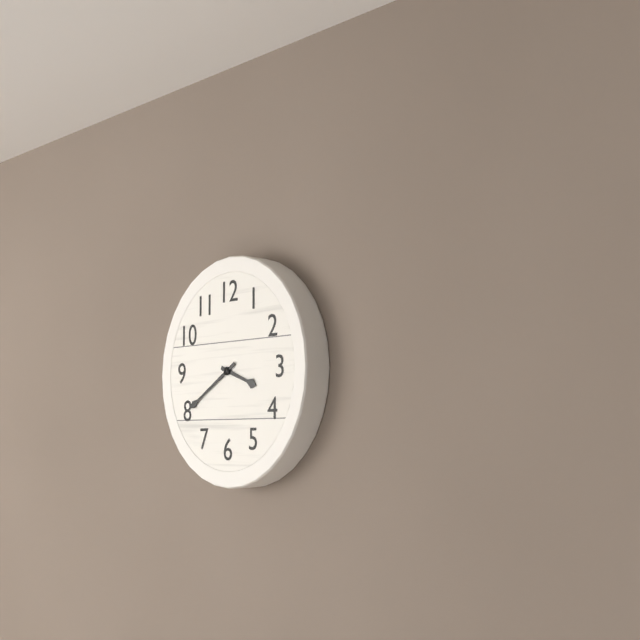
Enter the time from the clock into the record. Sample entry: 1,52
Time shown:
3,40
